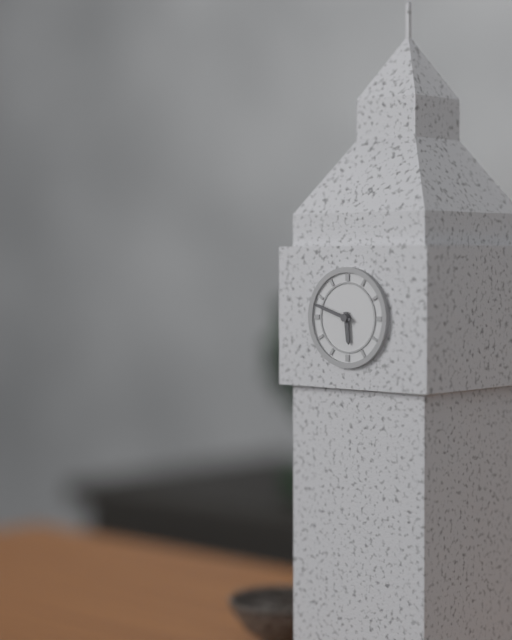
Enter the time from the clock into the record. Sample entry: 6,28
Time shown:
5,48
